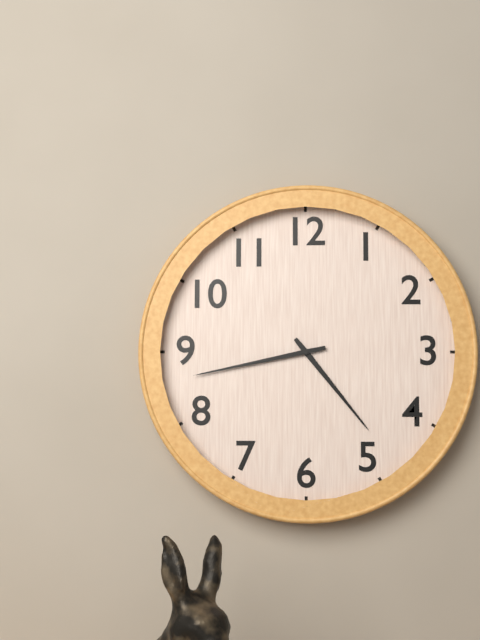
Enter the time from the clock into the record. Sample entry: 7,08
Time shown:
4,43
